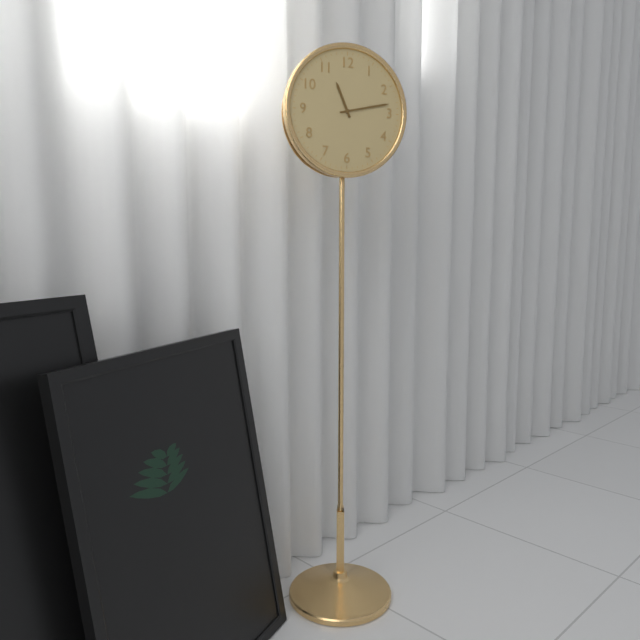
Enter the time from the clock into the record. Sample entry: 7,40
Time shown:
11,13
